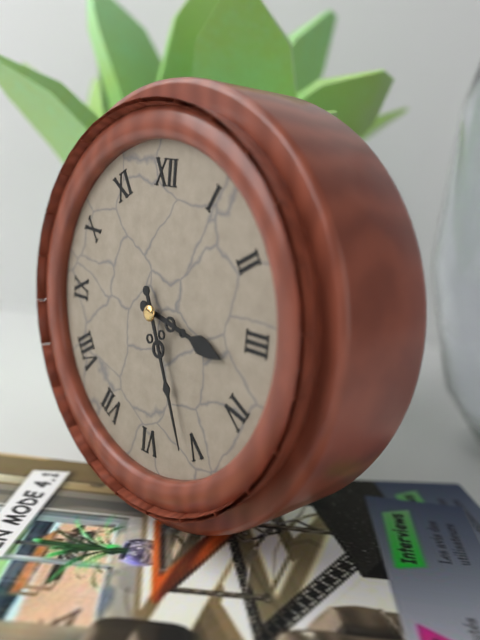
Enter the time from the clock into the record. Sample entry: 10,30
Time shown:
3,26
